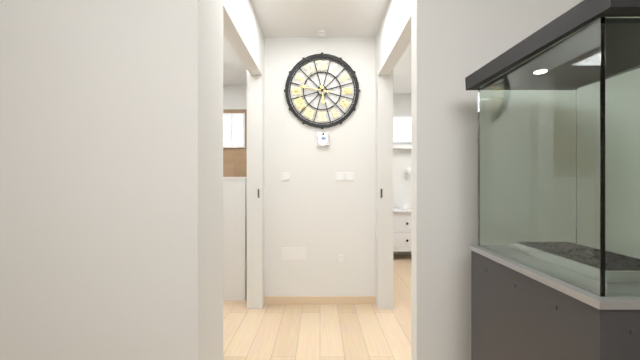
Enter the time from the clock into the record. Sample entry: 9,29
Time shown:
5,47
